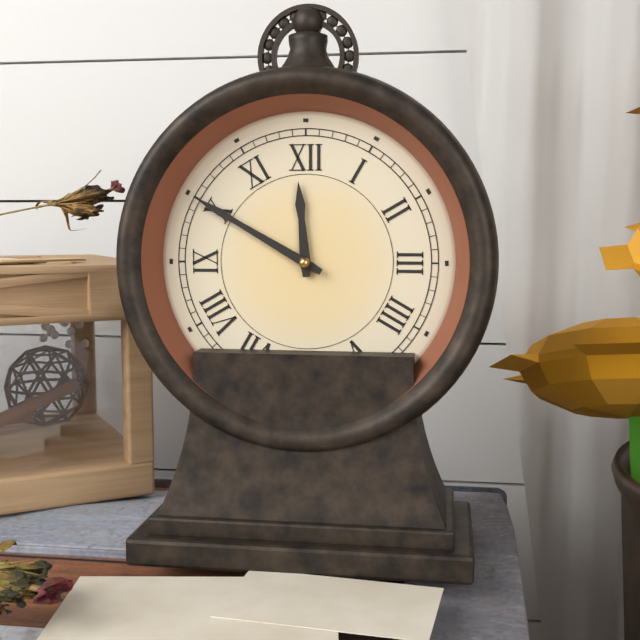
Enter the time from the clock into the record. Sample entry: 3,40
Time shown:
11,50
